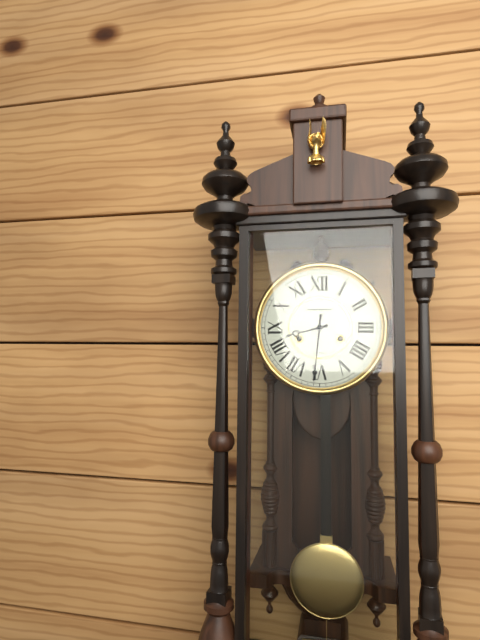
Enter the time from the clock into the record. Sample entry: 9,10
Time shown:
8,31
